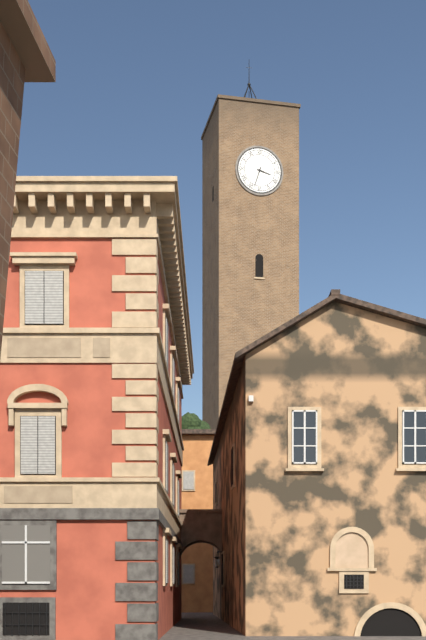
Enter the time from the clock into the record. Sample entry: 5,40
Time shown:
3,33
